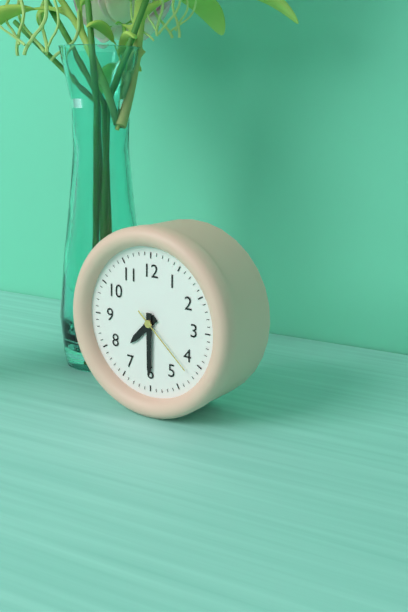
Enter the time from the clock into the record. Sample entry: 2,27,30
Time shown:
7,30,22
